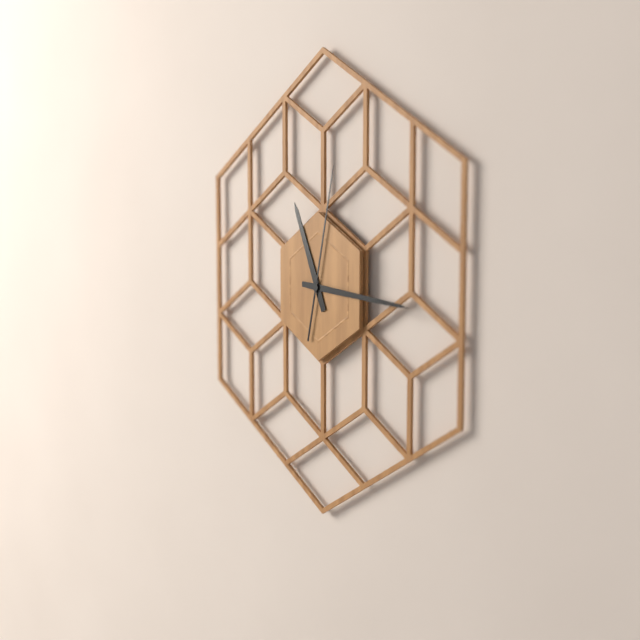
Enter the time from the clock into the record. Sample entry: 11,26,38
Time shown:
11,16,02
